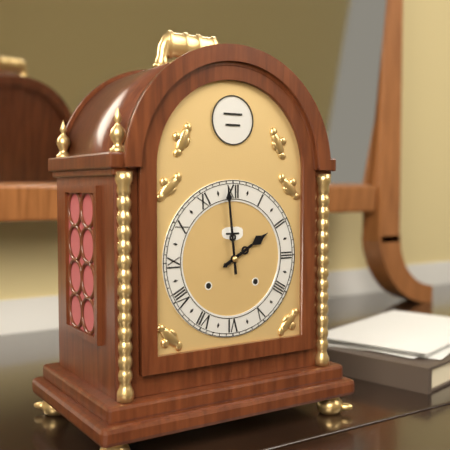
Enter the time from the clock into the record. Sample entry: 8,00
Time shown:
1,59
